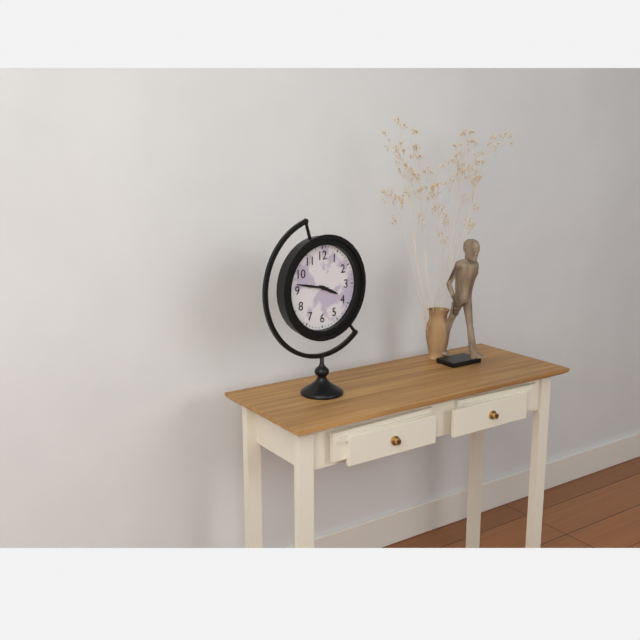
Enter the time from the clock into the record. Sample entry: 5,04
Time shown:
3,47
